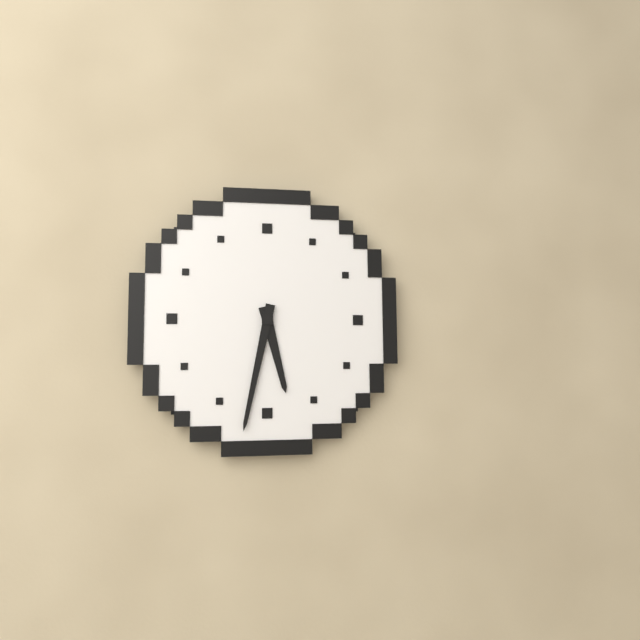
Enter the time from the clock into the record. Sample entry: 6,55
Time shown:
5,32
